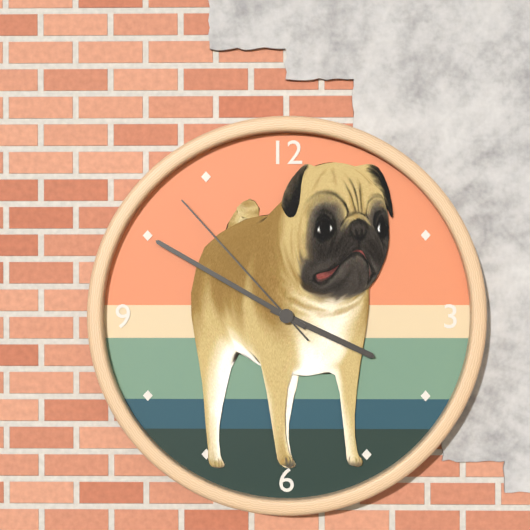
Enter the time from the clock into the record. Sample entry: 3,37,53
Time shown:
3,50,53
